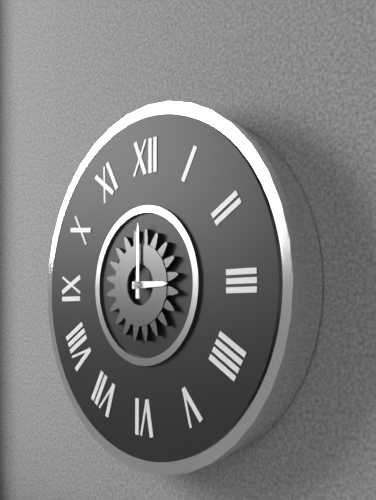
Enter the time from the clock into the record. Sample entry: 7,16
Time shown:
3,00
